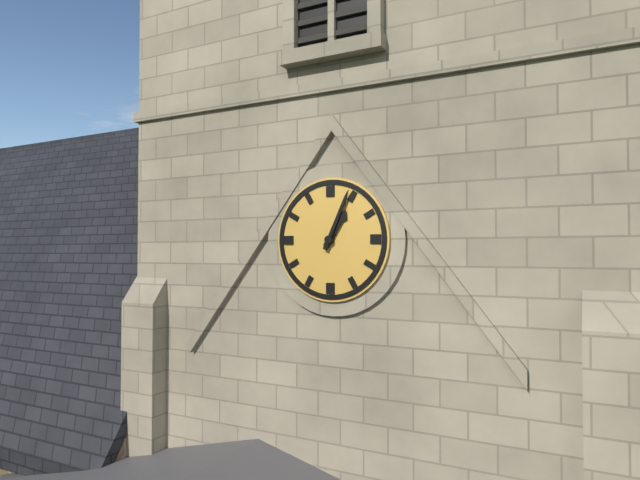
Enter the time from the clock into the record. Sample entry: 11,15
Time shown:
1,04
